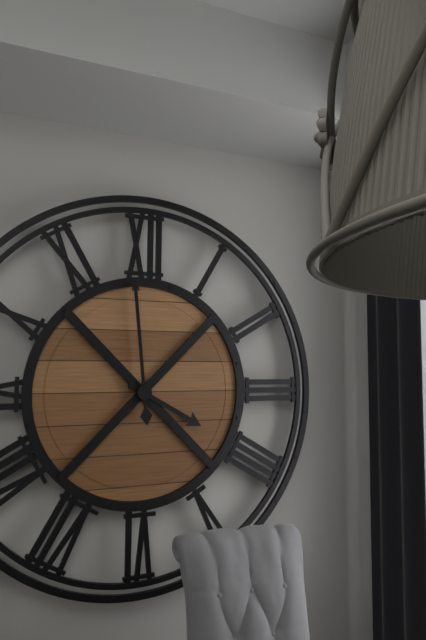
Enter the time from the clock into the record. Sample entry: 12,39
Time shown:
3,59
